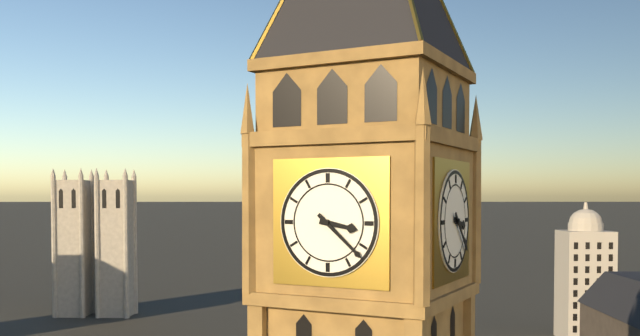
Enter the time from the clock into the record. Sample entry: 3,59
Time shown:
3,22
